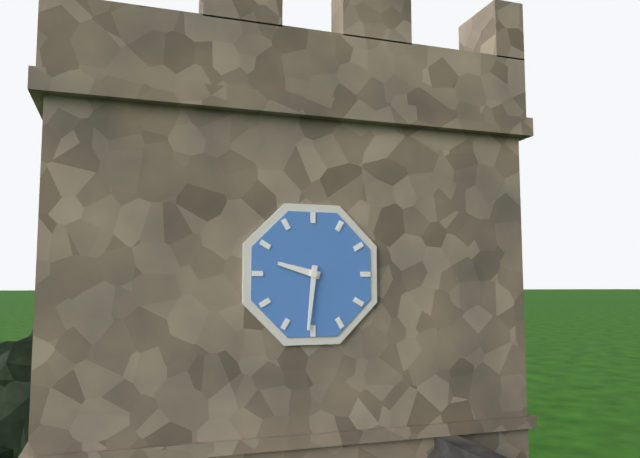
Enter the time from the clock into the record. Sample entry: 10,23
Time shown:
9,31
